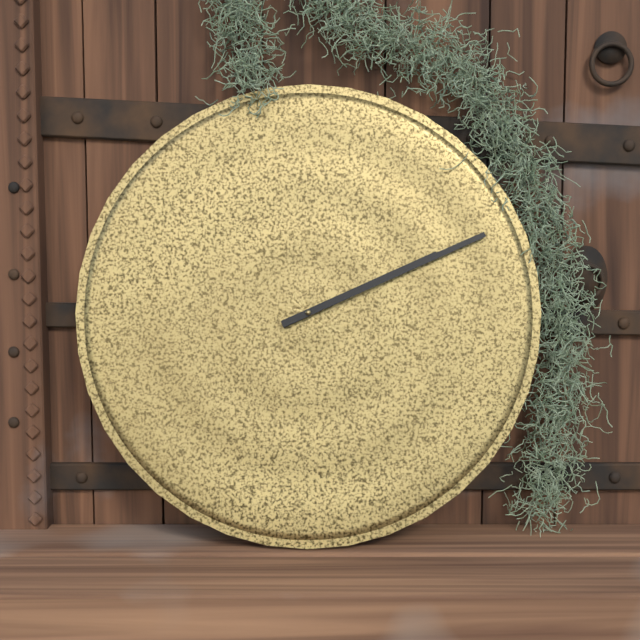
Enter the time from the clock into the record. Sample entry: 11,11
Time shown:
2,11
